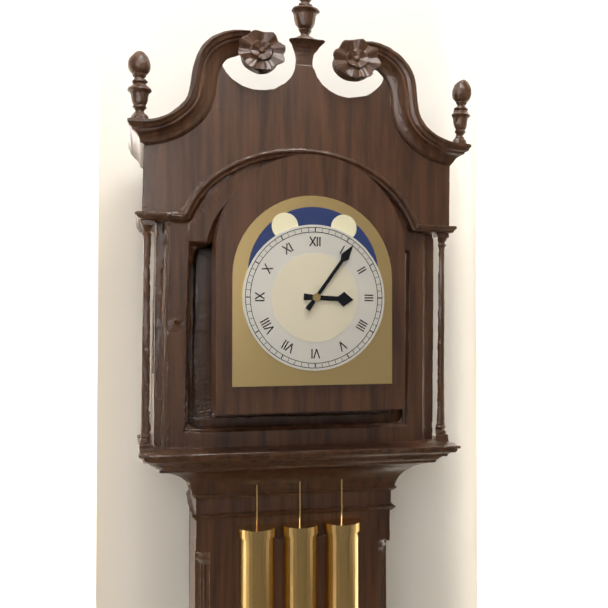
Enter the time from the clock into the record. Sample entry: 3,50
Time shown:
3,06
